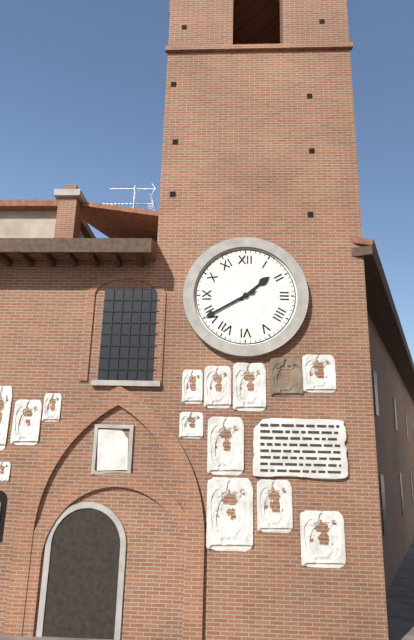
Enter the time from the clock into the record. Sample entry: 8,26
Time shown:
1,40
